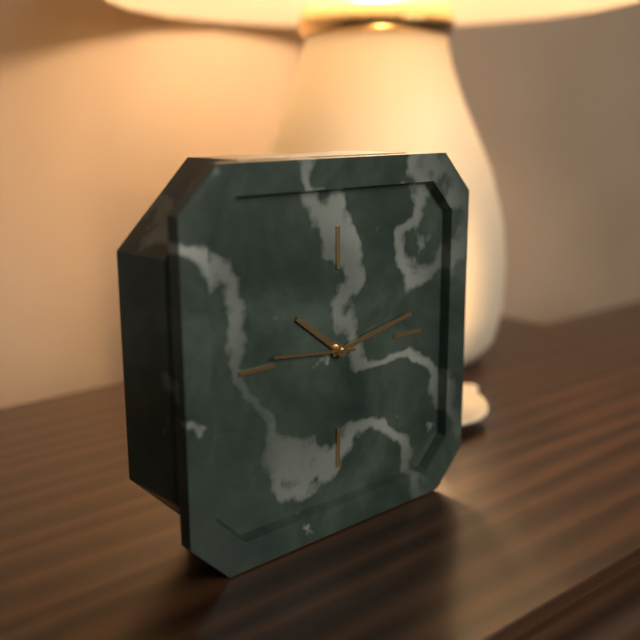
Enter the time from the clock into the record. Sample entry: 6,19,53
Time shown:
10,13,46
